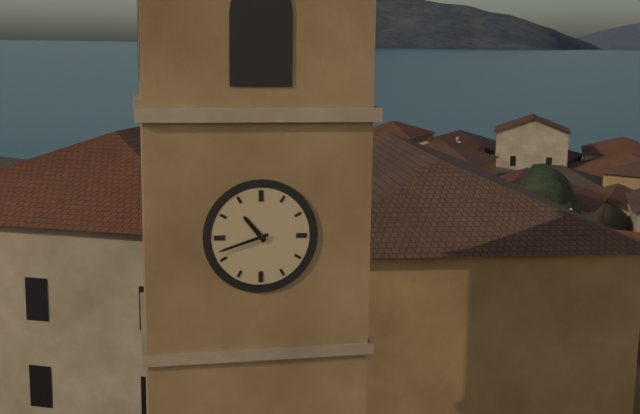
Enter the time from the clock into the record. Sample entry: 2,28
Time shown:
10,42
